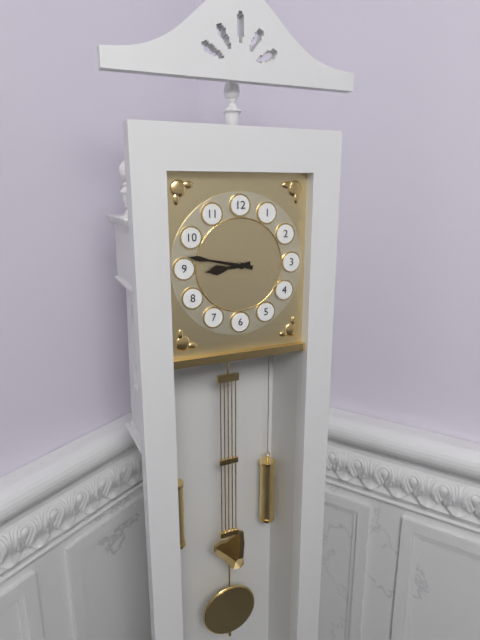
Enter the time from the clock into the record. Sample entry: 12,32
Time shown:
8,47
